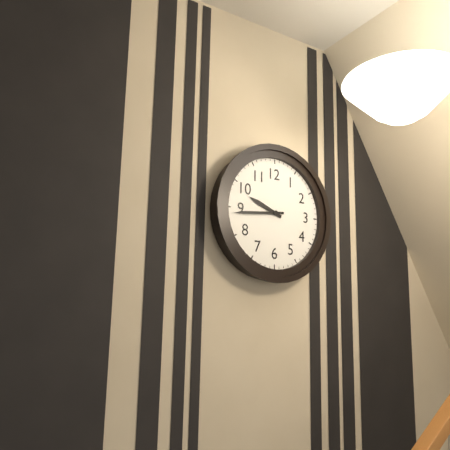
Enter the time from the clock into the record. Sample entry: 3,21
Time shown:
9,44
